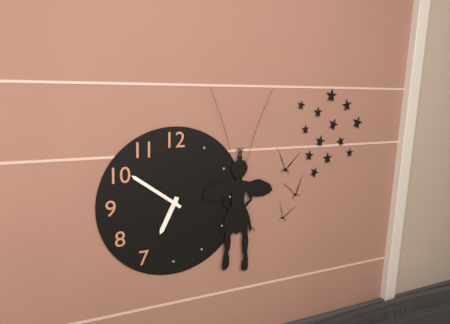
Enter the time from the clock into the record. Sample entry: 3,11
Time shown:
6,51
